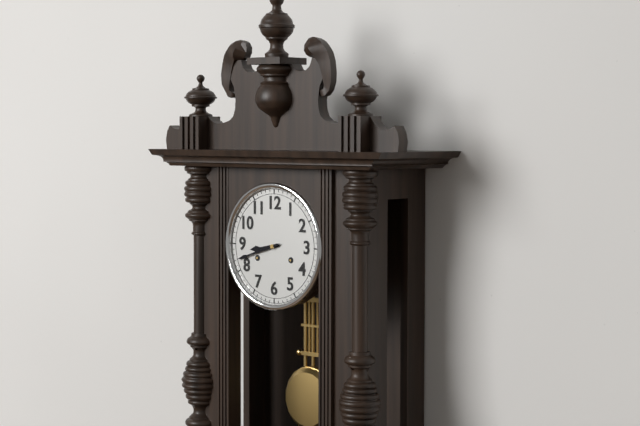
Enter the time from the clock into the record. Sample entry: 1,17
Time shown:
8,42
